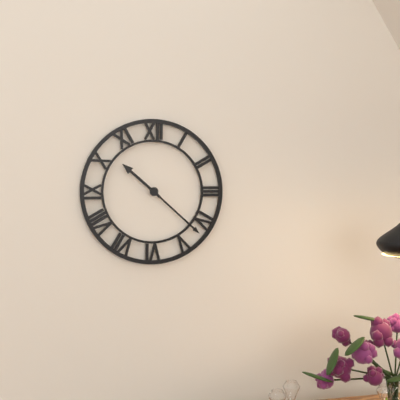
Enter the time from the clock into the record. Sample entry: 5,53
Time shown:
10,22
